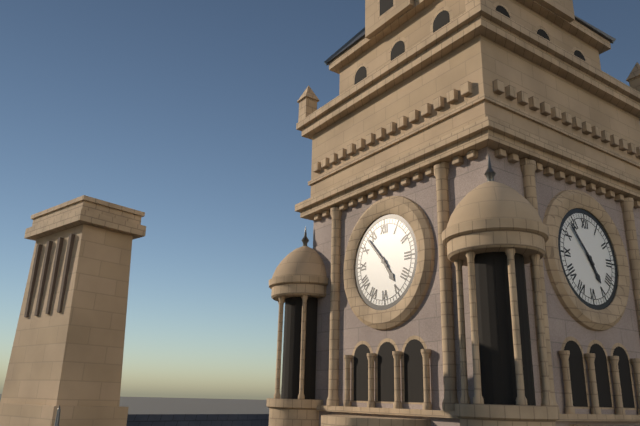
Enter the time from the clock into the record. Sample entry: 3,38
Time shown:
4,53
